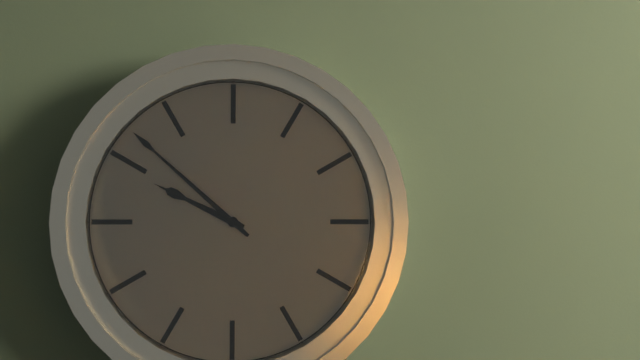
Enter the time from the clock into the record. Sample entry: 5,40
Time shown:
9,52
